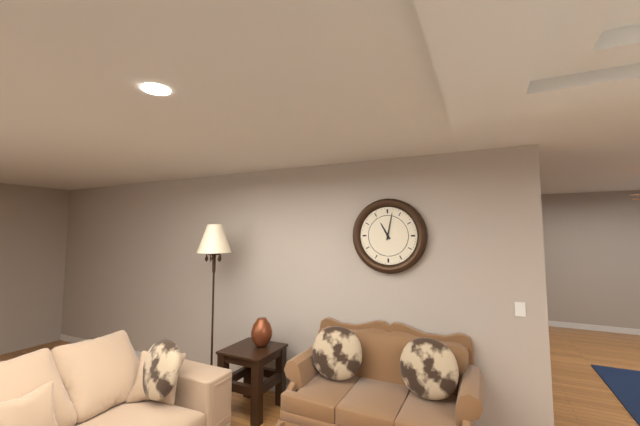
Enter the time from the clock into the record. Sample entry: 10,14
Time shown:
11,02
